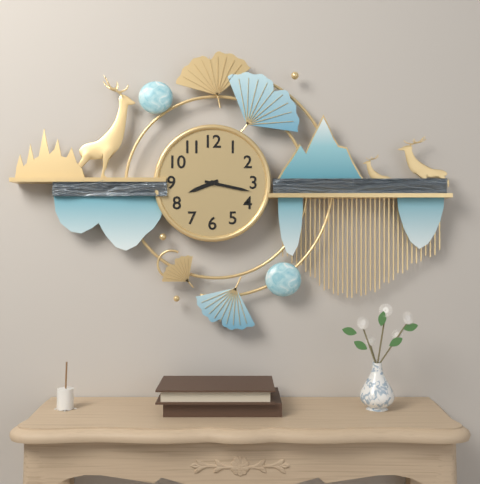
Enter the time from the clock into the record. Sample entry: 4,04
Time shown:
8,17
